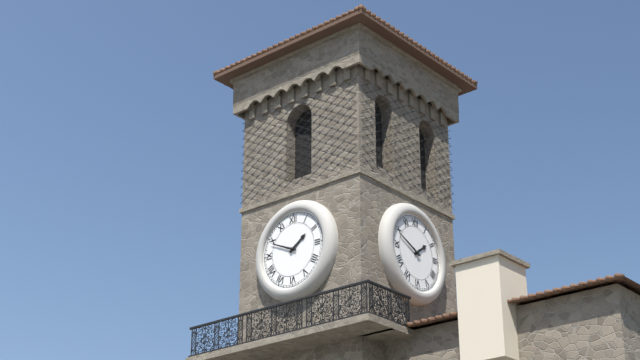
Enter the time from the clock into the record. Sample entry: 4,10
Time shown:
1,49
